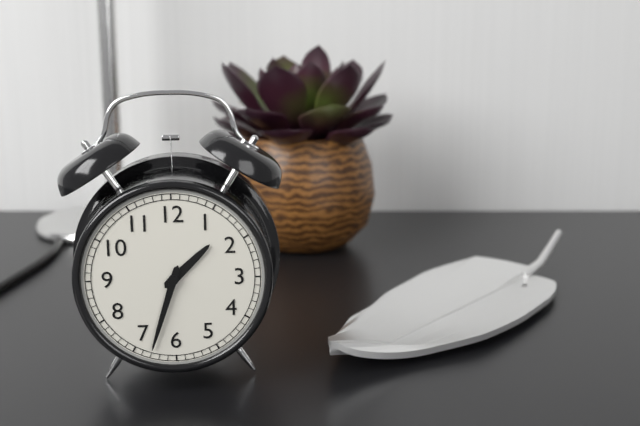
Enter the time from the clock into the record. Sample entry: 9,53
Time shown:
1,33
